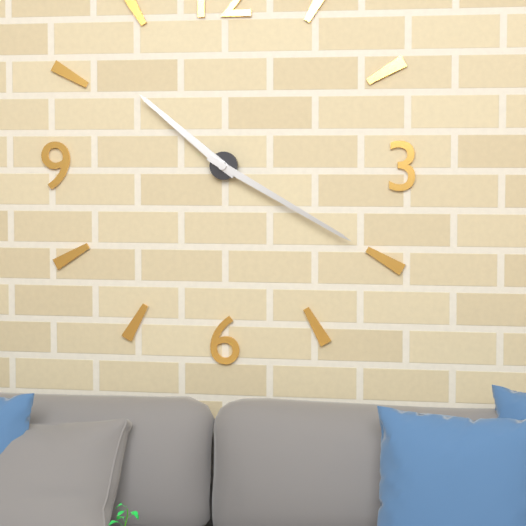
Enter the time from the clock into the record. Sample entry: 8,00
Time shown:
10,20
